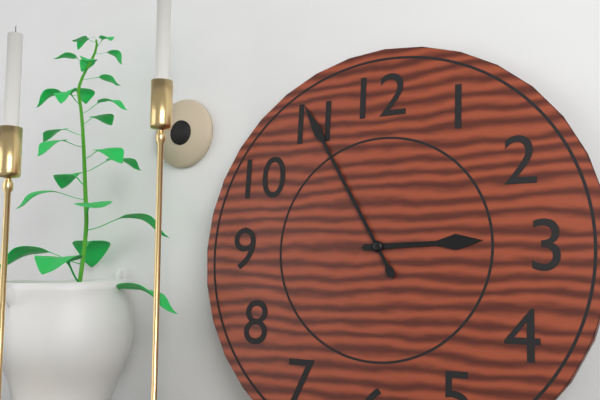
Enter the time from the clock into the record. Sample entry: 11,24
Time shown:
2,55
